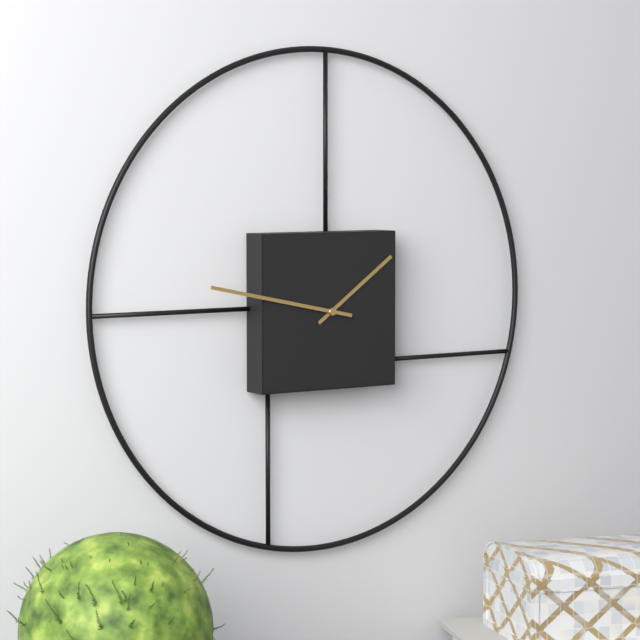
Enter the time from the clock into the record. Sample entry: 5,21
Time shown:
1,47
